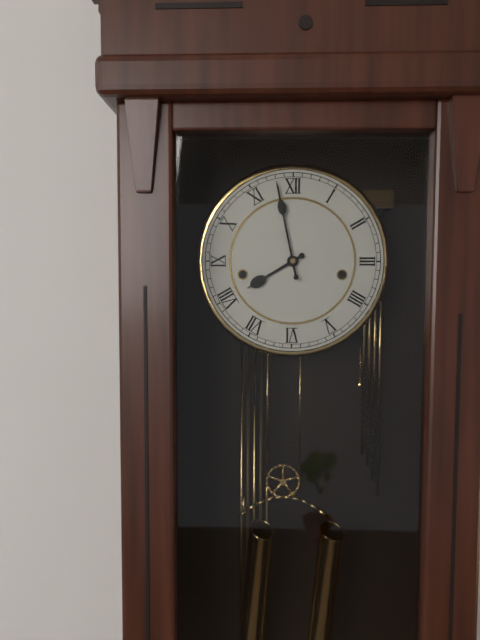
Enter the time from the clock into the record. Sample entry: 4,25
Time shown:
7,58
